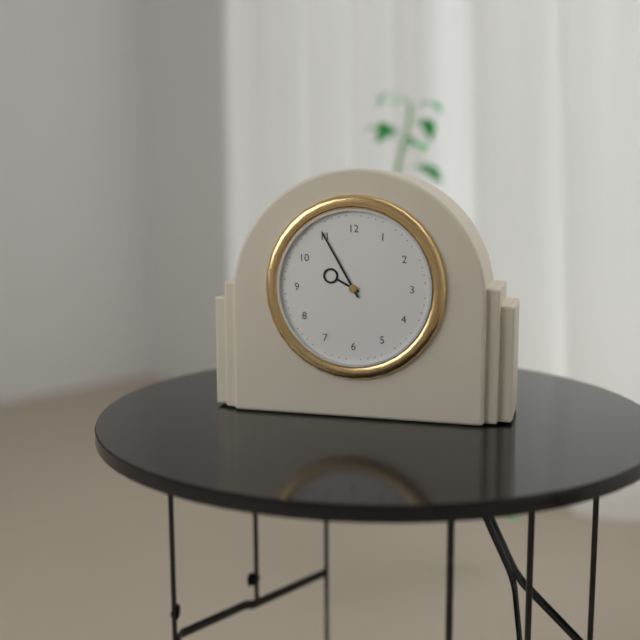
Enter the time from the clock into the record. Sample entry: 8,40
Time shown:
9,55
